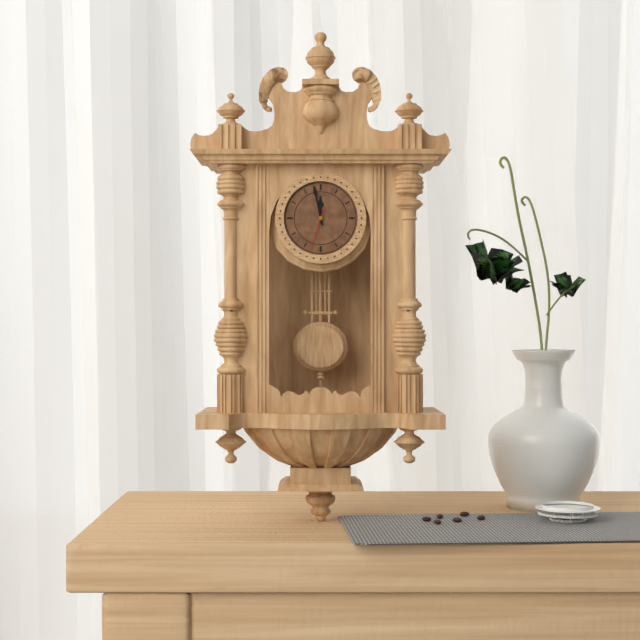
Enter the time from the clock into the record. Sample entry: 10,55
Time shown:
11,58
